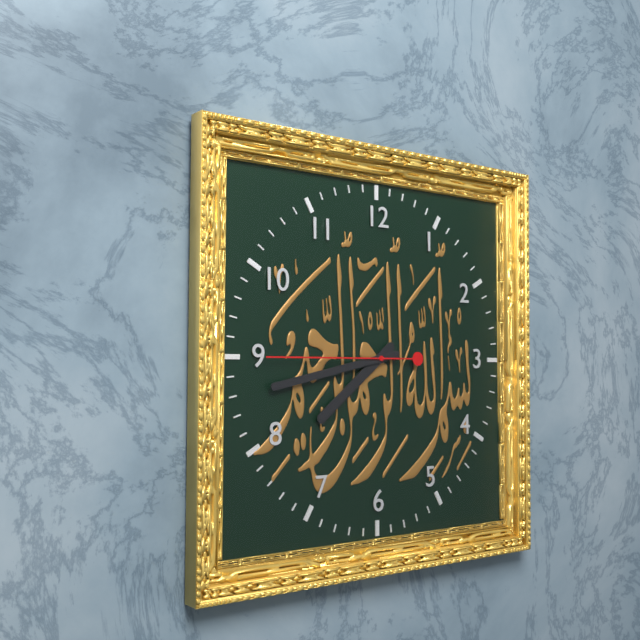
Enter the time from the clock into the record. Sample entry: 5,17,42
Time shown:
7,43,45
